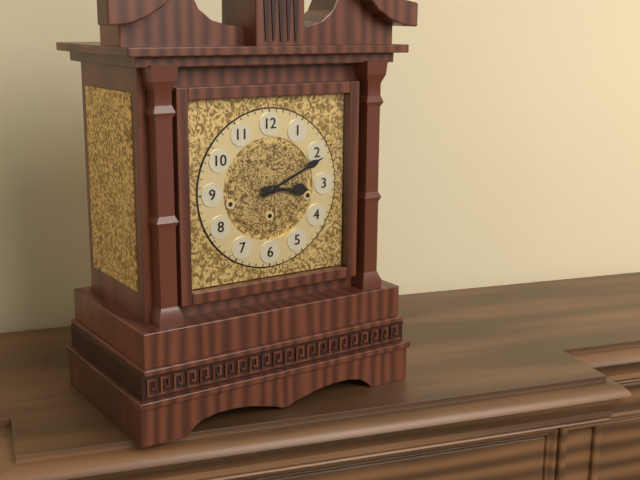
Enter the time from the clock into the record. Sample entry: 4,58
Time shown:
3,11
